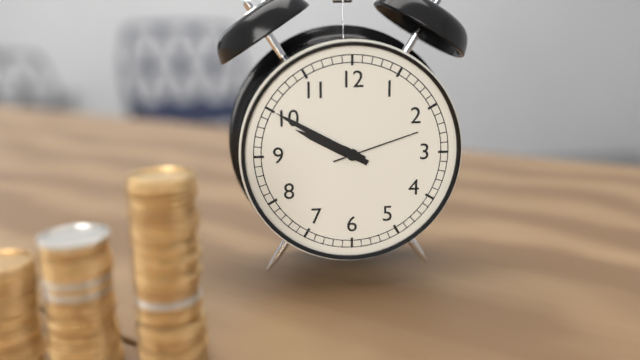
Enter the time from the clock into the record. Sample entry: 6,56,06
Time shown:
9,50,12
